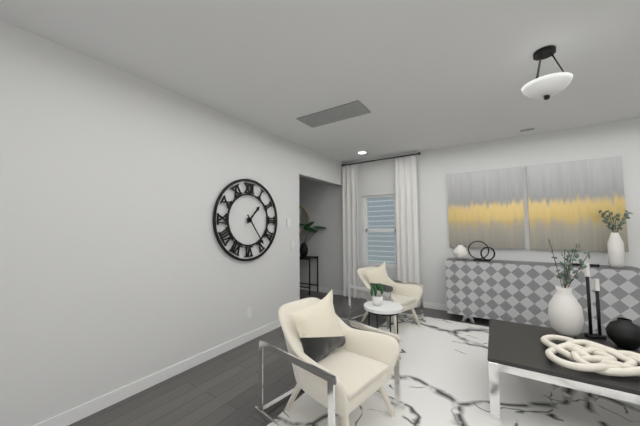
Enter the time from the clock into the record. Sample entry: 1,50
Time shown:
1,24
